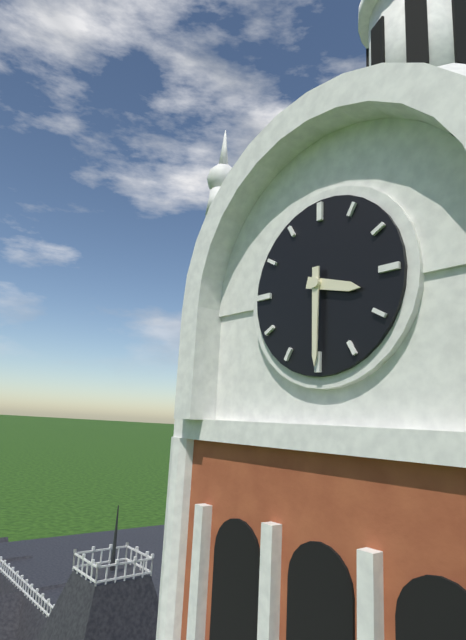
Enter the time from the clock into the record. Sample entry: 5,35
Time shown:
3,30
